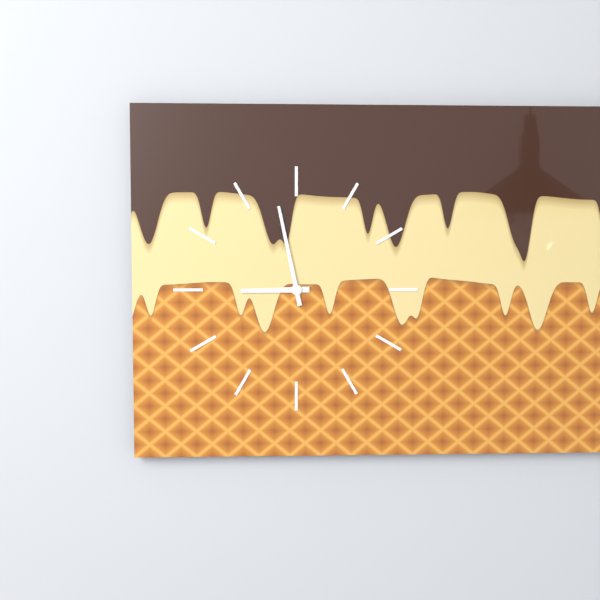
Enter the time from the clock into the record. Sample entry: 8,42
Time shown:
8,58
